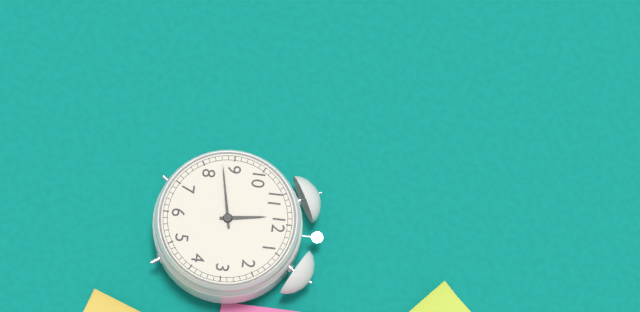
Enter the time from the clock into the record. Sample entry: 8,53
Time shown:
11,43
